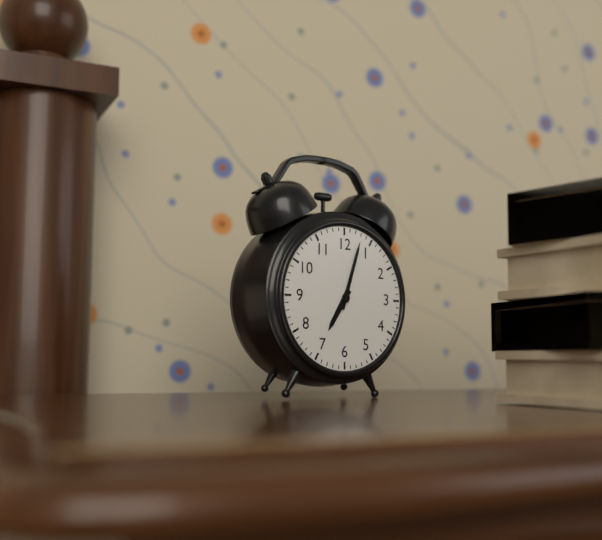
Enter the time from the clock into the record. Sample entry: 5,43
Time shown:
7,03
